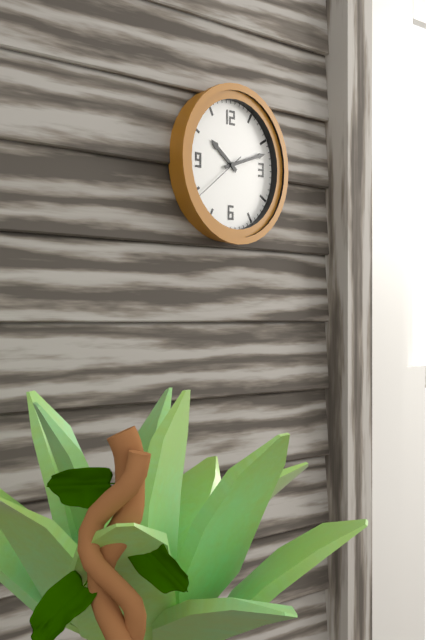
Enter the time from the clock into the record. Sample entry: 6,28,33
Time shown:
10,12,39
